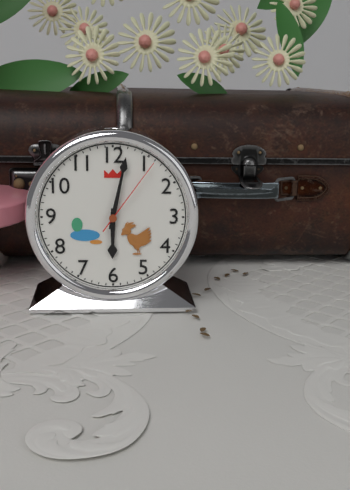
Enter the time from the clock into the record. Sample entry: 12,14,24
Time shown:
6,02,06
